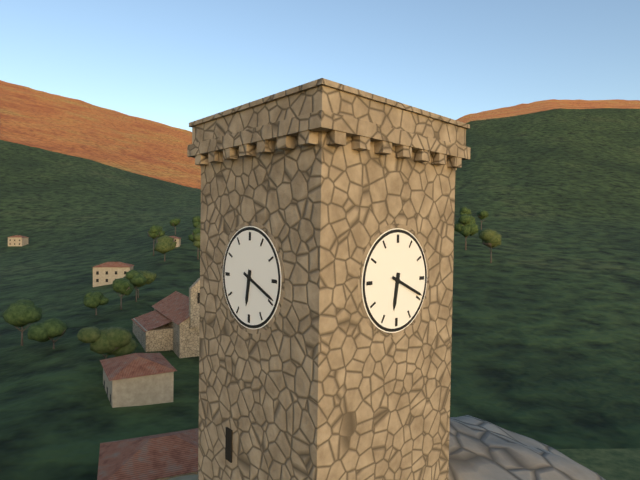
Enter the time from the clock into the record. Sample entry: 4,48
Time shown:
6,19
